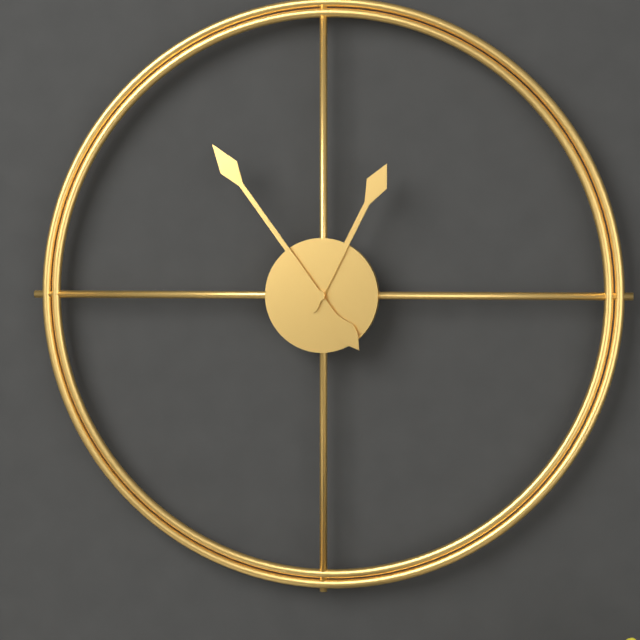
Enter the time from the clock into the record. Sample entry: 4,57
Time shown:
12,54
